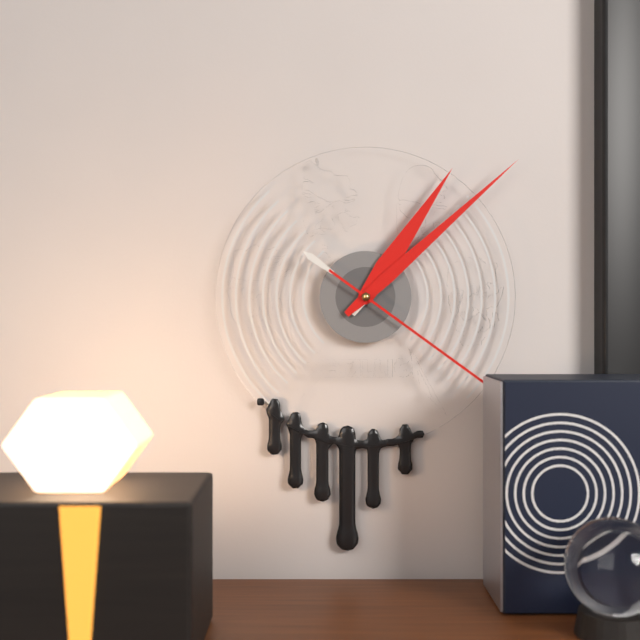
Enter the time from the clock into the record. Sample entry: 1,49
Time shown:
1,08
